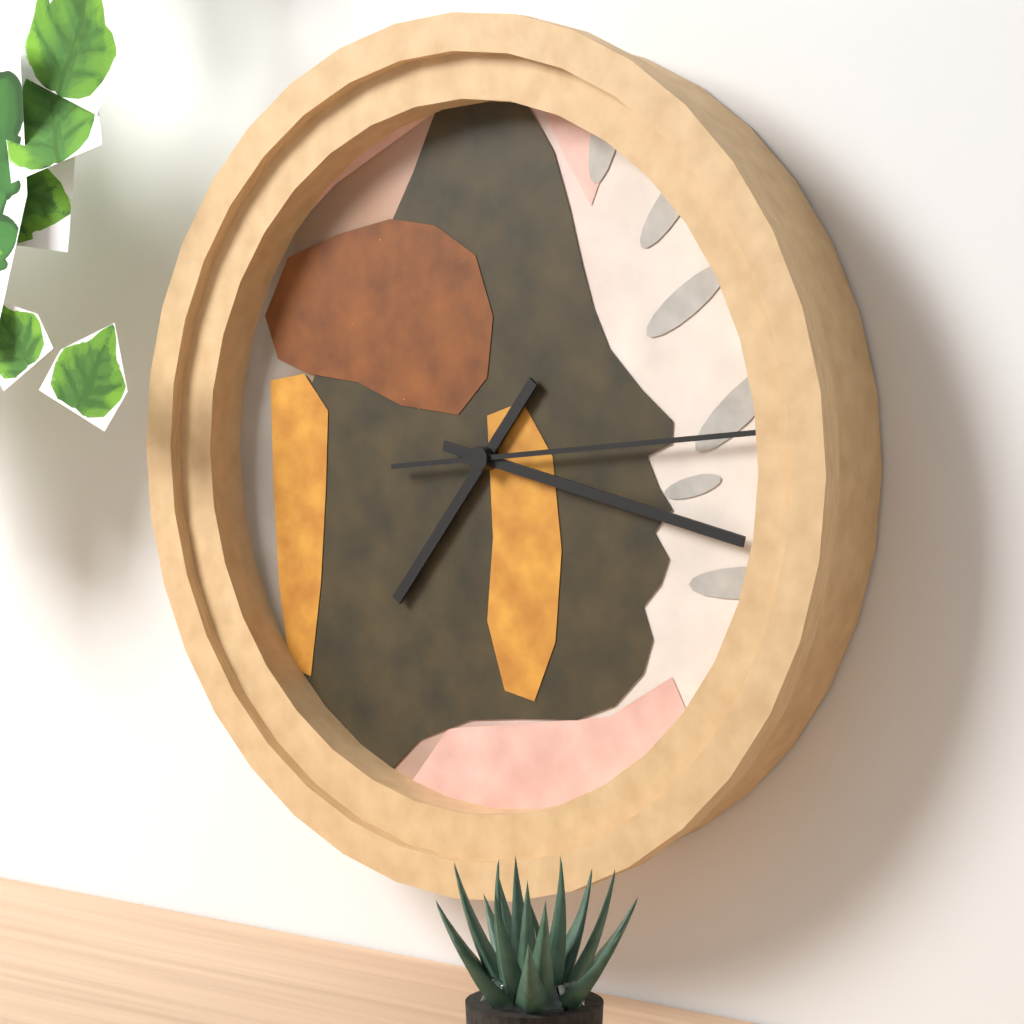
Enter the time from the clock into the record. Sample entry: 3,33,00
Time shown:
7,17,14
